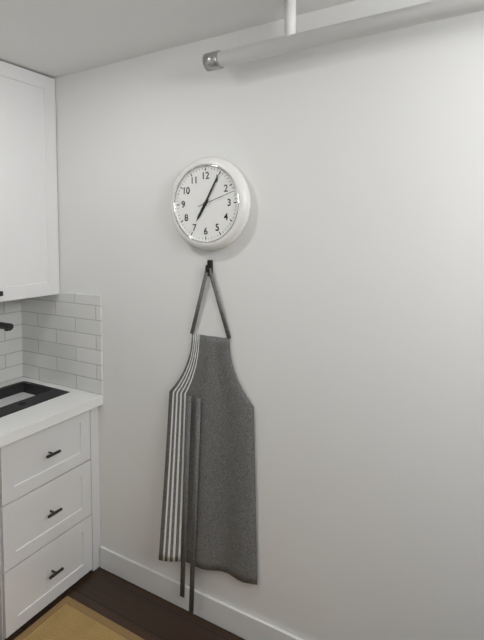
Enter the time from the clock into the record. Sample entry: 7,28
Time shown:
7,05
